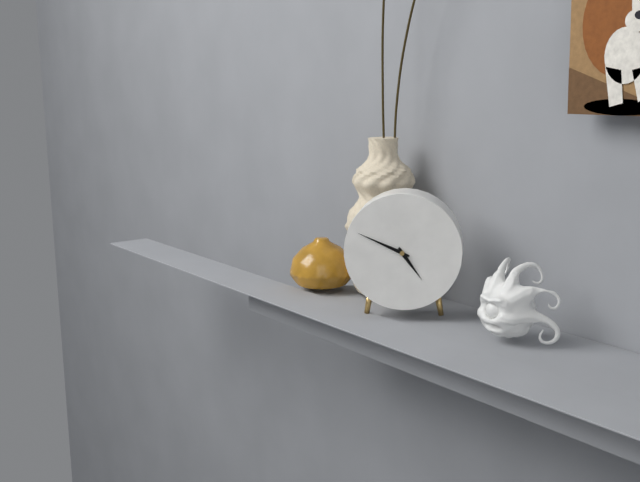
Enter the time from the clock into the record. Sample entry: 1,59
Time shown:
4,49
